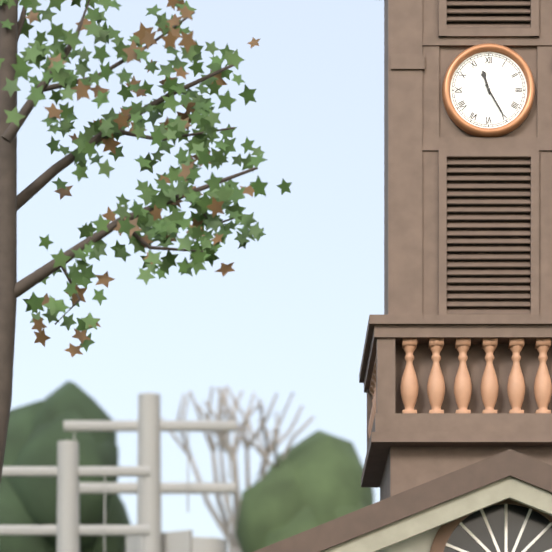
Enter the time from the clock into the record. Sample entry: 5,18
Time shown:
11,25
